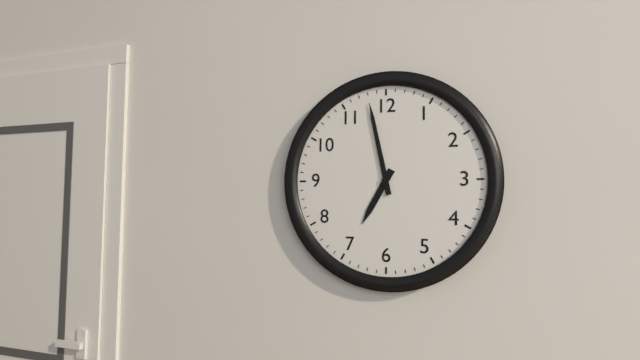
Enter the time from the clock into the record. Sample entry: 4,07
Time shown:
6,58
